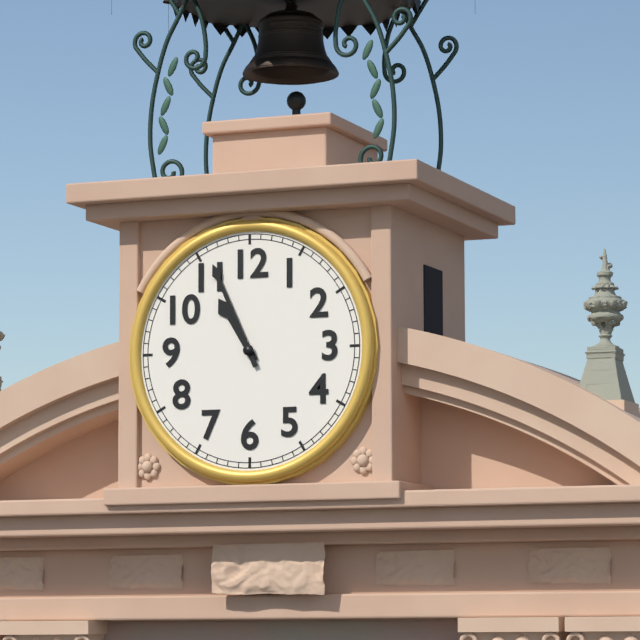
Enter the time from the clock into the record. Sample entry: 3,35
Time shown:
10,56
